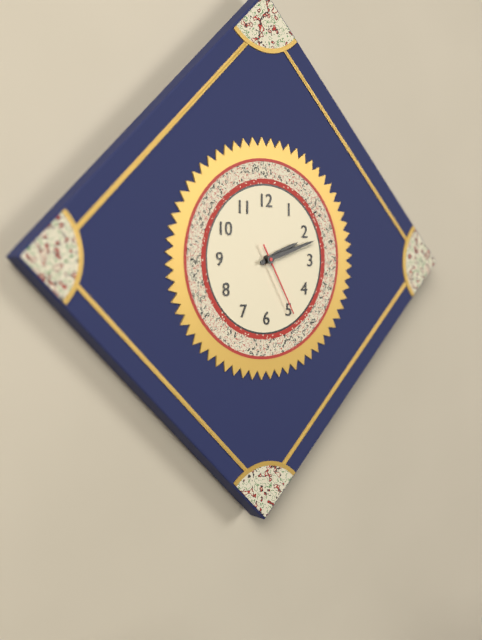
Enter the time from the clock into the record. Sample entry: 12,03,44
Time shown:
2,12,25
